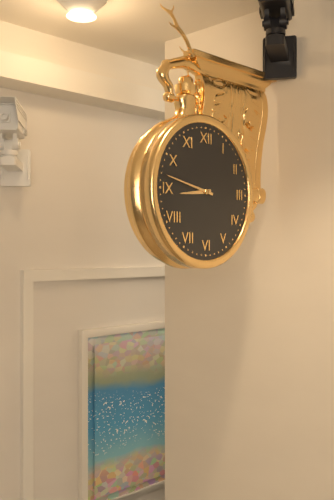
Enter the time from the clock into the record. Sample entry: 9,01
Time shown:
8,47
